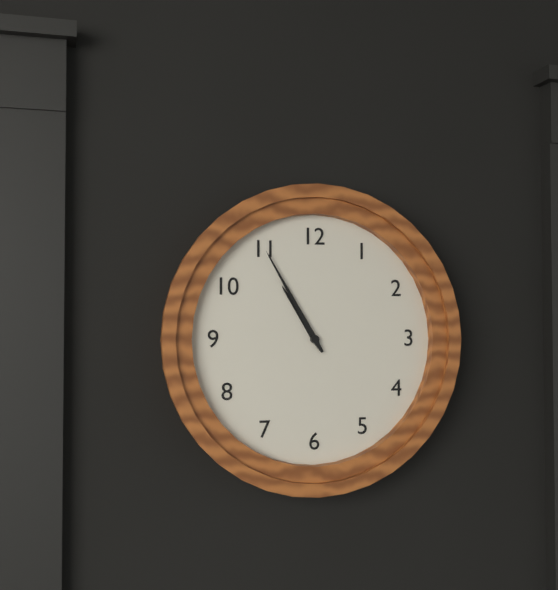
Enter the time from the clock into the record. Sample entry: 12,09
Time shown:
10,55
